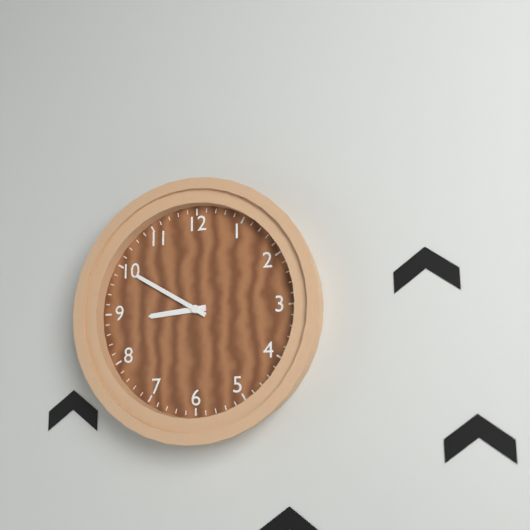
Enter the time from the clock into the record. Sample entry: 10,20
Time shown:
8,50
